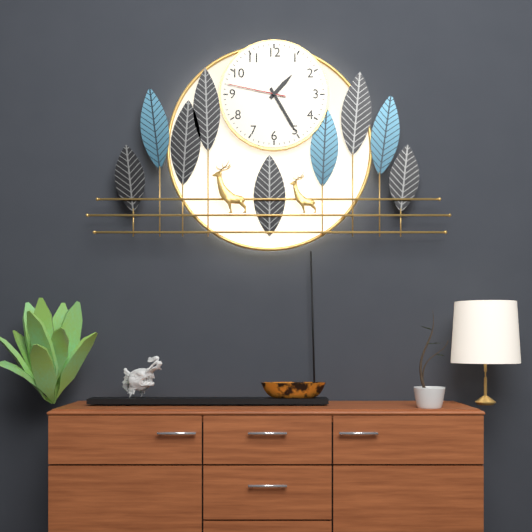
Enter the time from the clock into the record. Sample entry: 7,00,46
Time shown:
1,25,47
